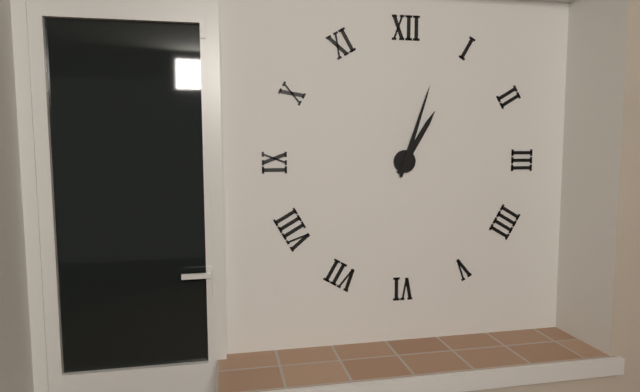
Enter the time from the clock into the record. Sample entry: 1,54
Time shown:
1,03
